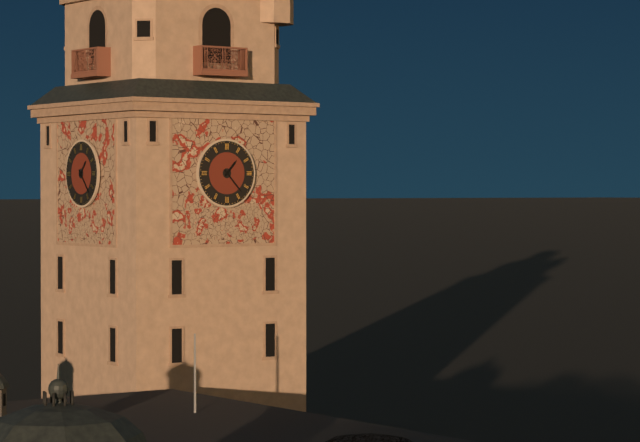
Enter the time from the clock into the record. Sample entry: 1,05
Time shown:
1,23
